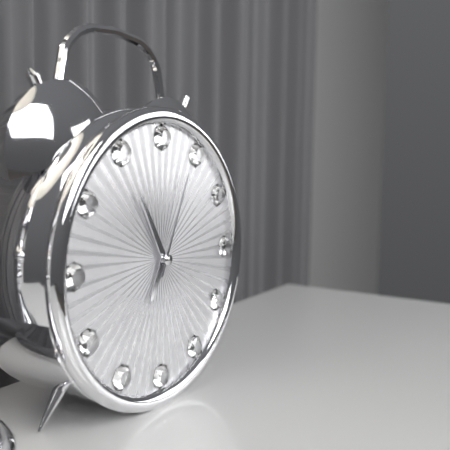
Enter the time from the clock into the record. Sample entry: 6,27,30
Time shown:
6,55,04
